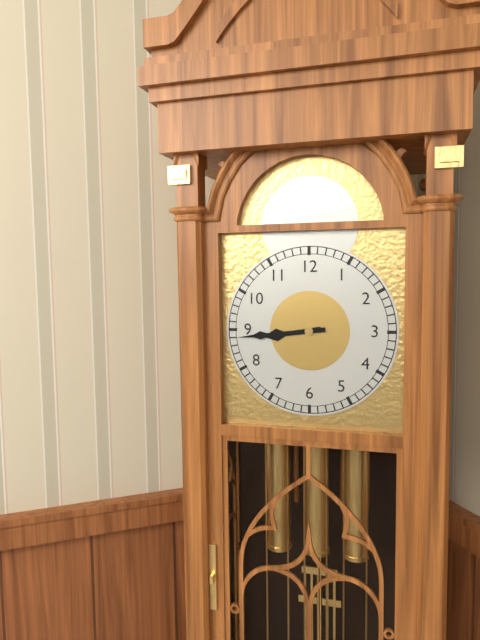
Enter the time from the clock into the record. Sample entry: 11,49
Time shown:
8,44
